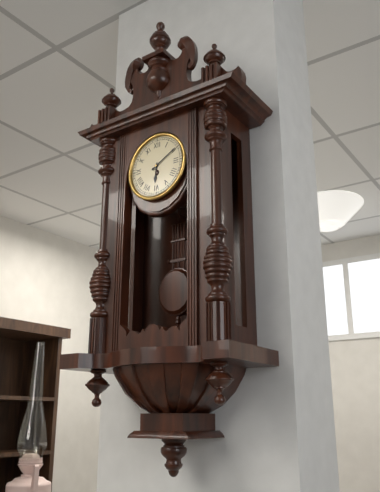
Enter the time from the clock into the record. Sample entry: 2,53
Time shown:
6,10
